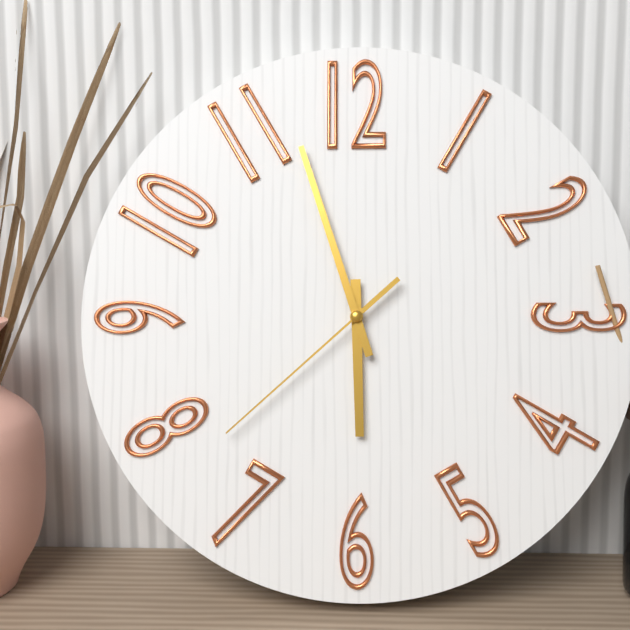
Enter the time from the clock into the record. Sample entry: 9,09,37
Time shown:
5,57,38
